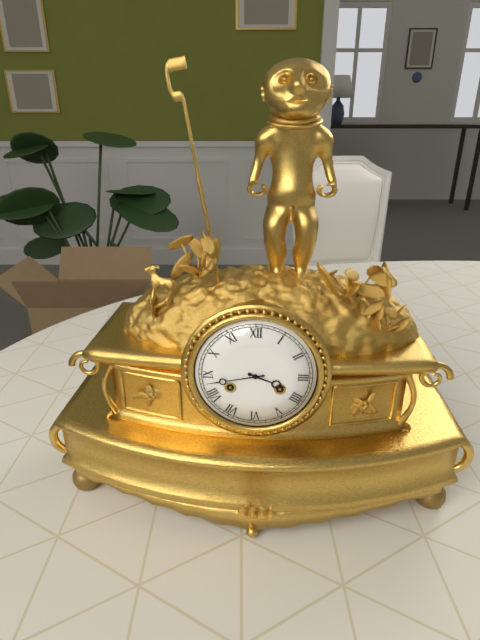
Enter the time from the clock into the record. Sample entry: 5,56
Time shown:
3,43
